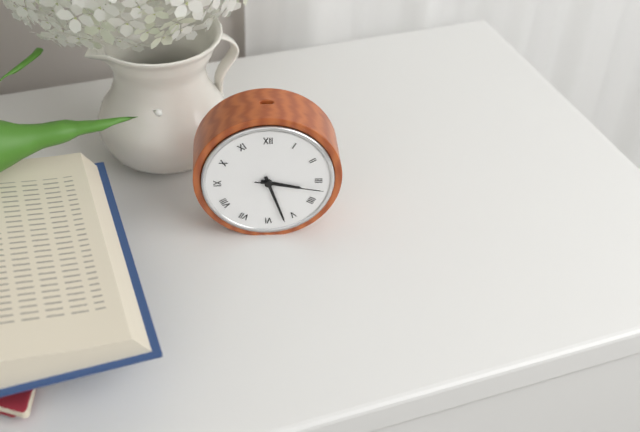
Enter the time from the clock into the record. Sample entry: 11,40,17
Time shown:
3,27,17
